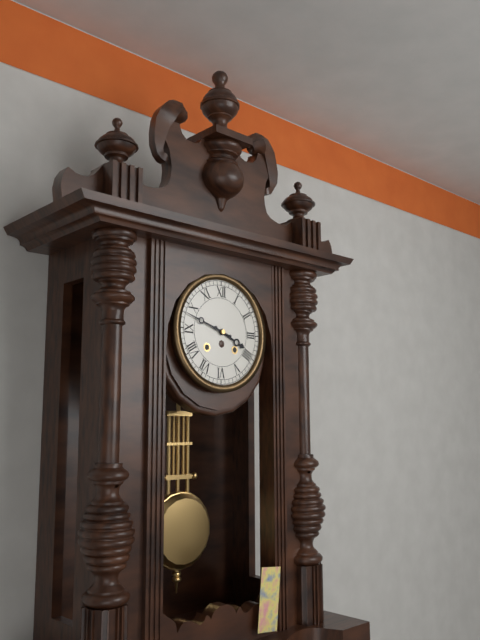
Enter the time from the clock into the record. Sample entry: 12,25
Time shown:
3,48
